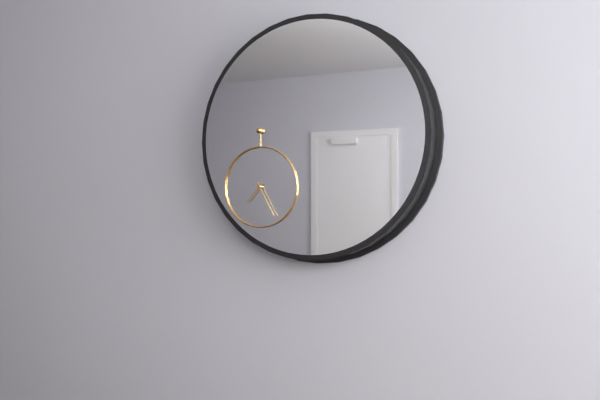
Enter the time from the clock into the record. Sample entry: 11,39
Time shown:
7,25
